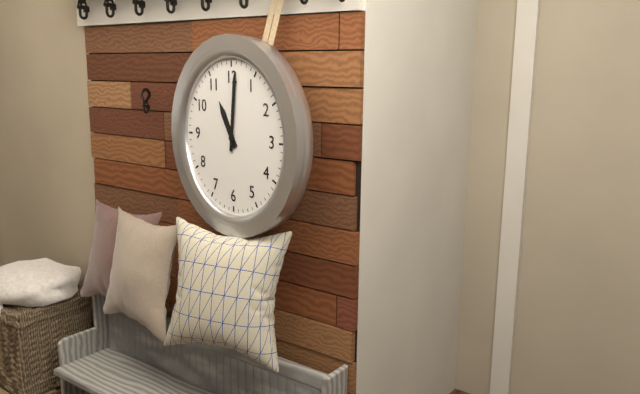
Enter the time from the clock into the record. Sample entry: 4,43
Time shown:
11,01
